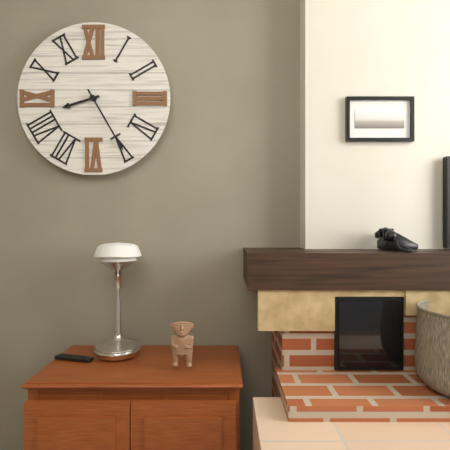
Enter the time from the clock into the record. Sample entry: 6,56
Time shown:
8,25
